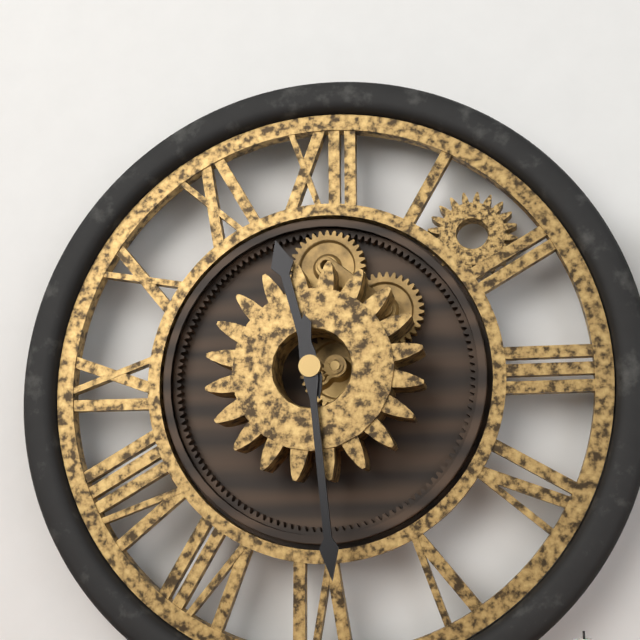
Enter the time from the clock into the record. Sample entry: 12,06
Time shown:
11,29
